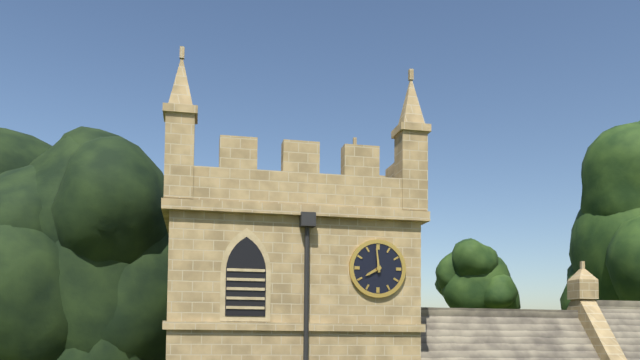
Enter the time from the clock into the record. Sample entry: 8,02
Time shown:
7,59
